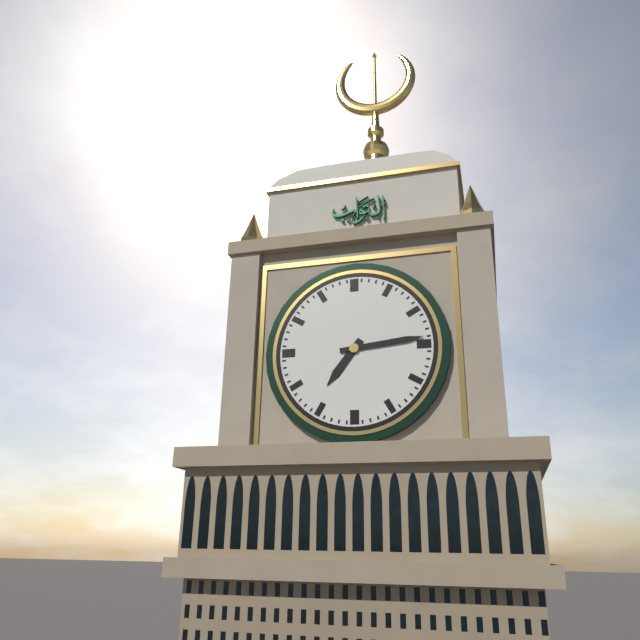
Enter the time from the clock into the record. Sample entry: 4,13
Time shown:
7,14
